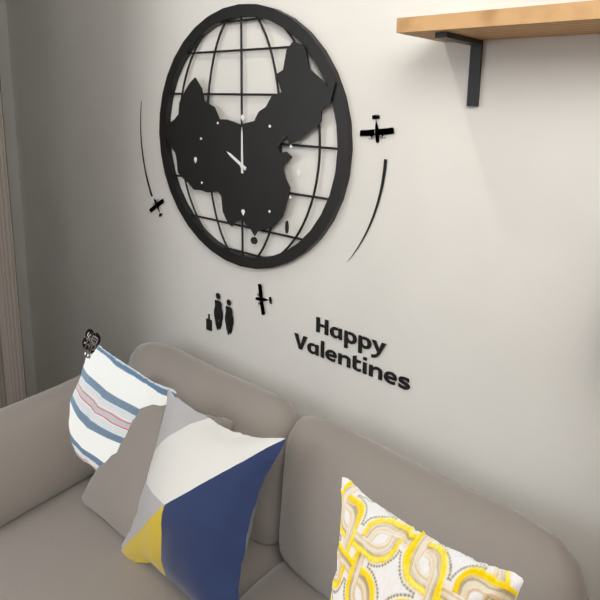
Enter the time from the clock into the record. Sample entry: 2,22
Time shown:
10,00
